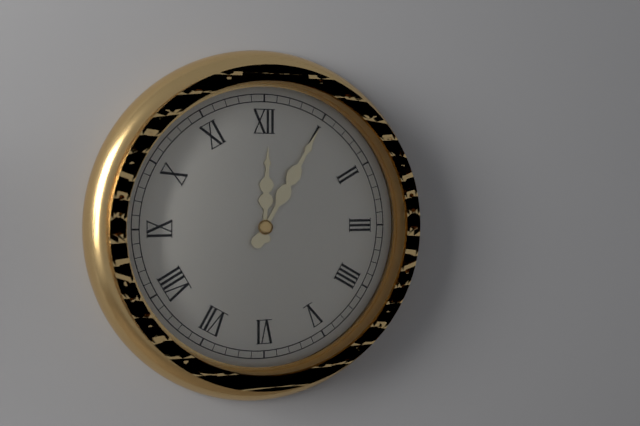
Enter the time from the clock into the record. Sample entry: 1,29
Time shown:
12,05
